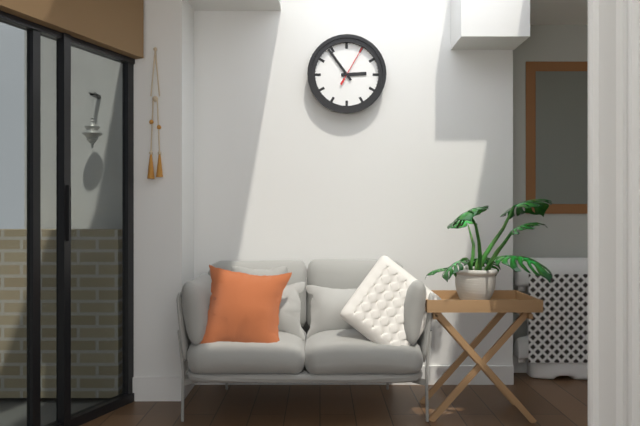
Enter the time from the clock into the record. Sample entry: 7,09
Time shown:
2,54
